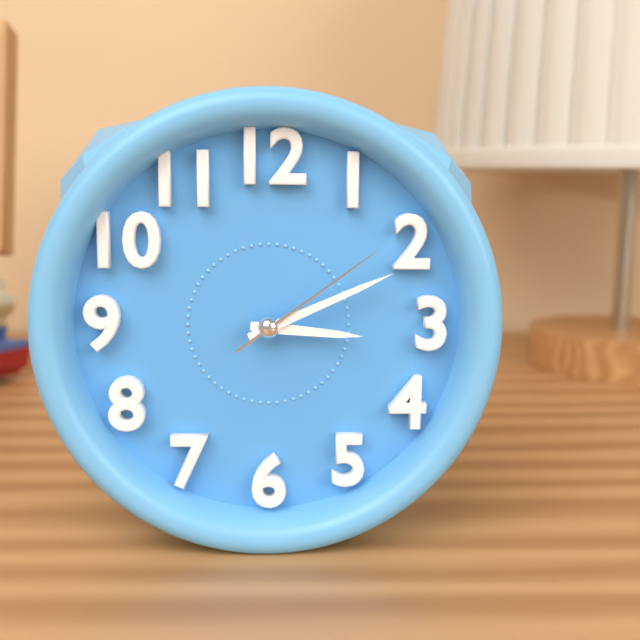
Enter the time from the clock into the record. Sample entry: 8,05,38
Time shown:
3,11,09
